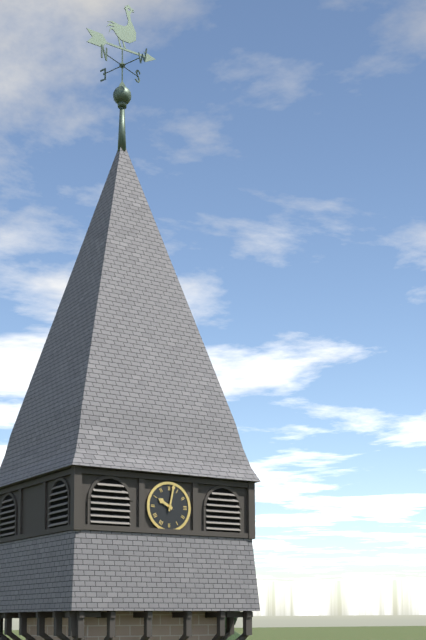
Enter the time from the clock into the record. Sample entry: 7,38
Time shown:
10,02
